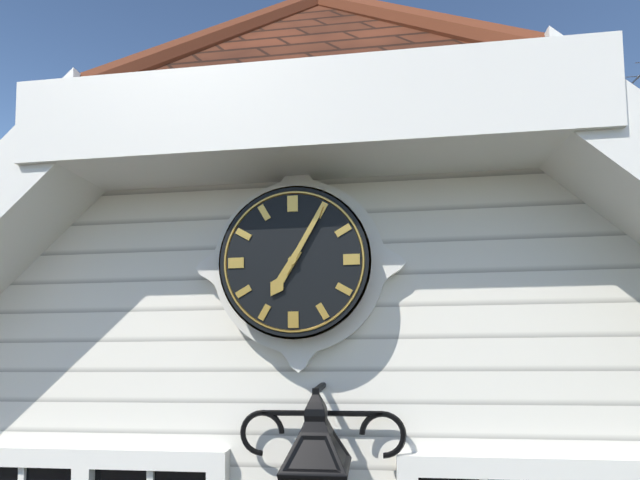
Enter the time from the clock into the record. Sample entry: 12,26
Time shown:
7,05
